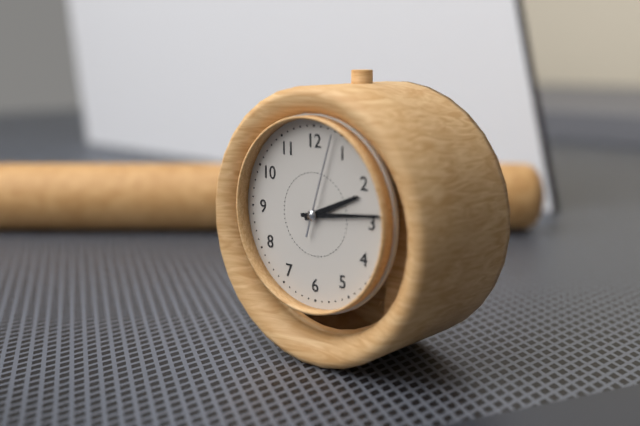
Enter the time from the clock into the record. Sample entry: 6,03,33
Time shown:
2,14,03
